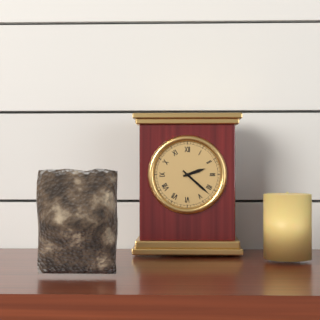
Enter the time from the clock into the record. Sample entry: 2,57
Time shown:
2,22
